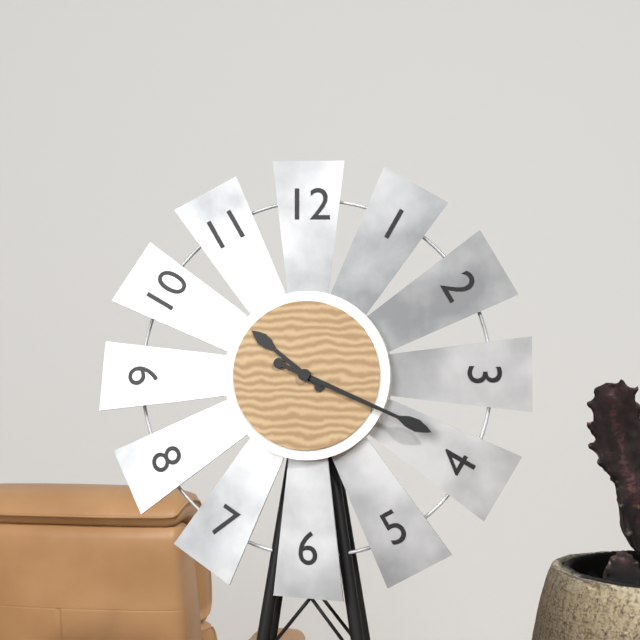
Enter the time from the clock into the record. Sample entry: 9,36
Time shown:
10,19
